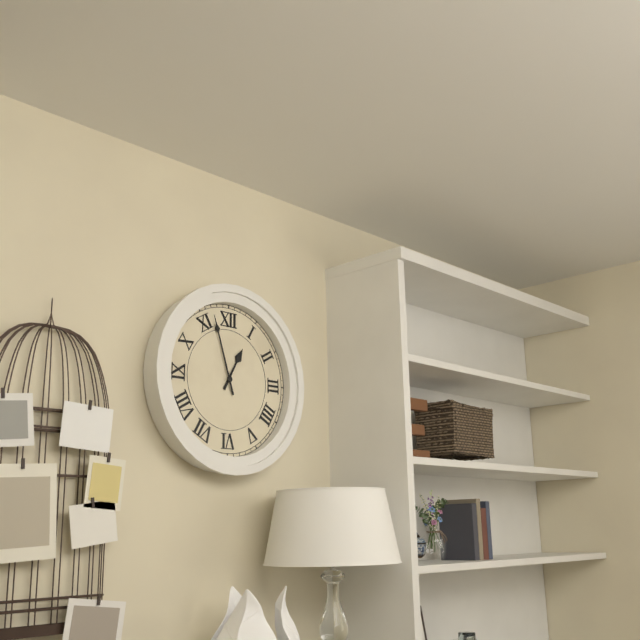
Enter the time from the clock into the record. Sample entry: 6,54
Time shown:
12,57
